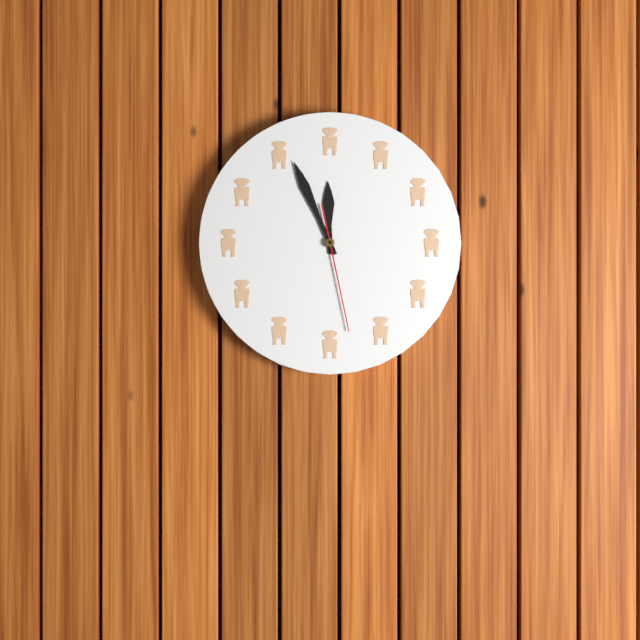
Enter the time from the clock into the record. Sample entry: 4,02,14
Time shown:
11,56,28
